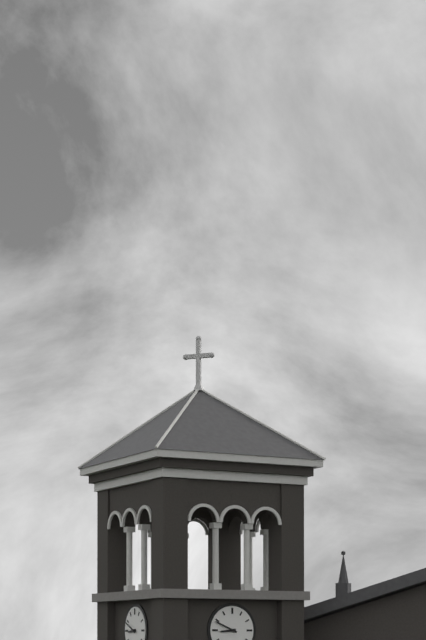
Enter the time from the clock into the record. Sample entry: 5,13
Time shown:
8,49
